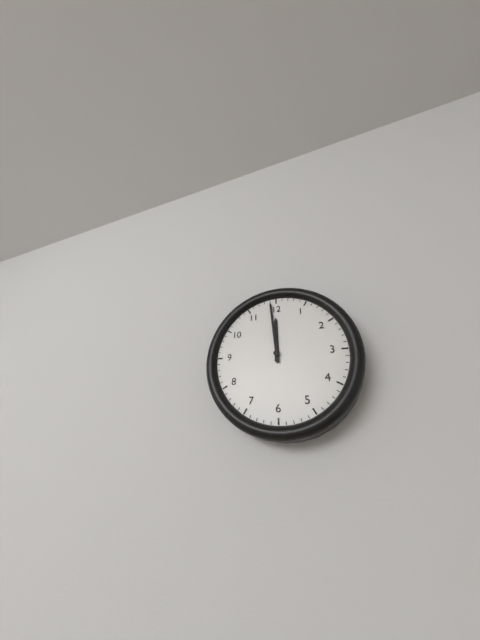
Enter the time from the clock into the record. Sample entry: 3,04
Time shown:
11,59
